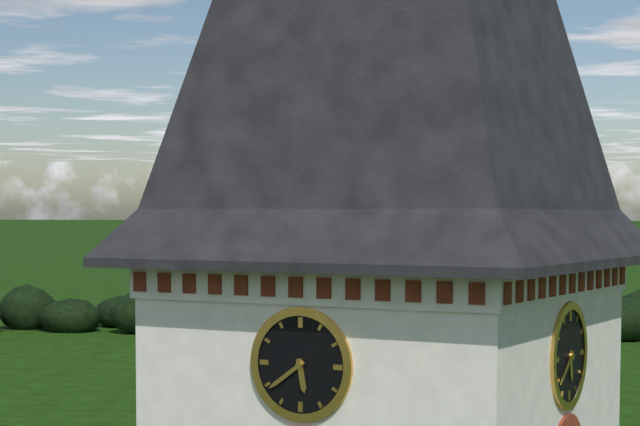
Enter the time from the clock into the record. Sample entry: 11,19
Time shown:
5,39
